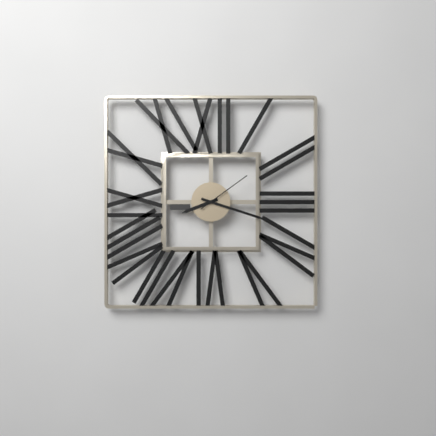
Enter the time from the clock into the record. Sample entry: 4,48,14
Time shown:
8,18,09
